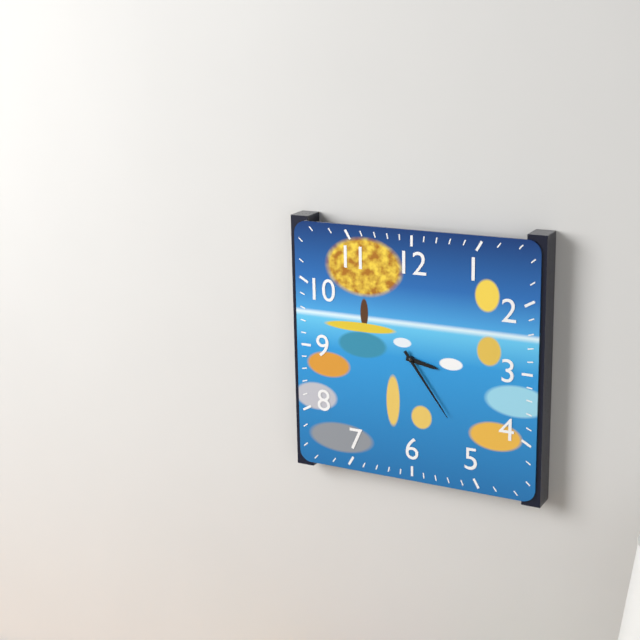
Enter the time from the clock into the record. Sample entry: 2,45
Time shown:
3,24
